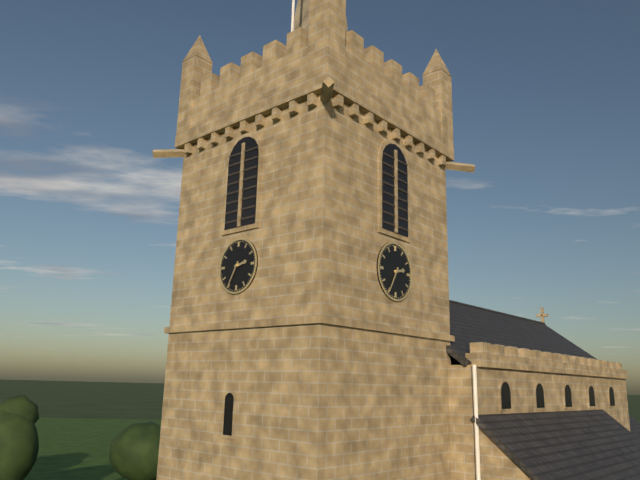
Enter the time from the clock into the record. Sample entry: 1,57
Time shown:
2,35
